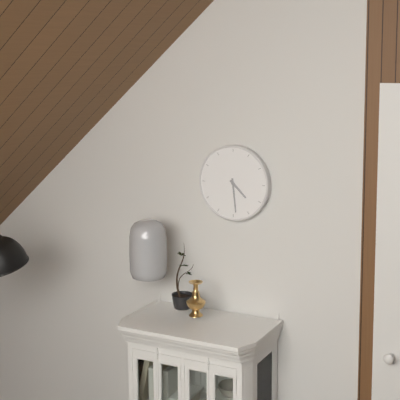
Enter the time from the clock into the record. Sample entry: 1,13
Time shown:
4,29
